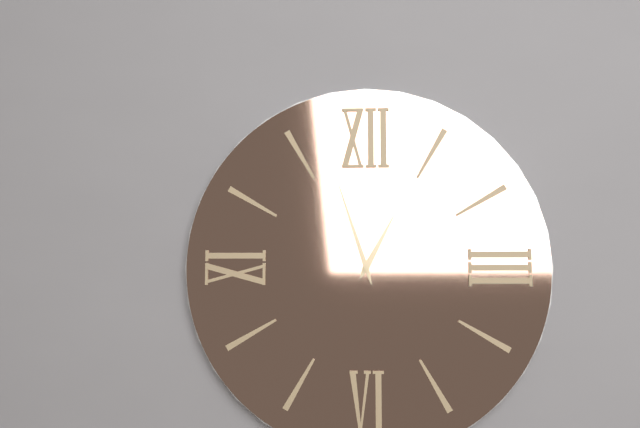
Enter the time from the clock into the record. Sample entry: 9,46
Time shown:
12,57
